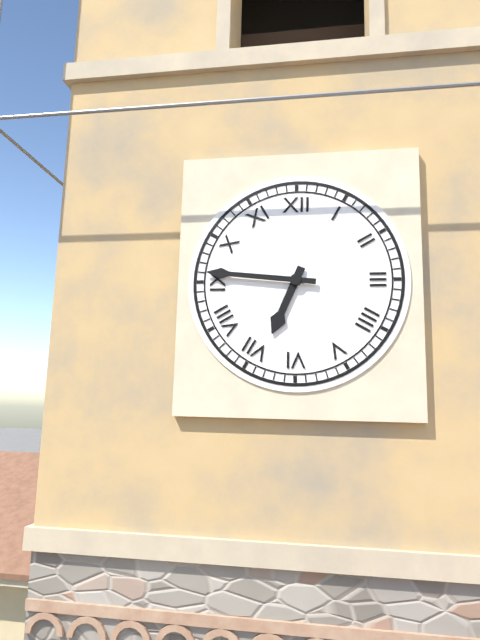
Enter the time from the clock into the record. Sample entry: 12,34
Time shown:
6,46
